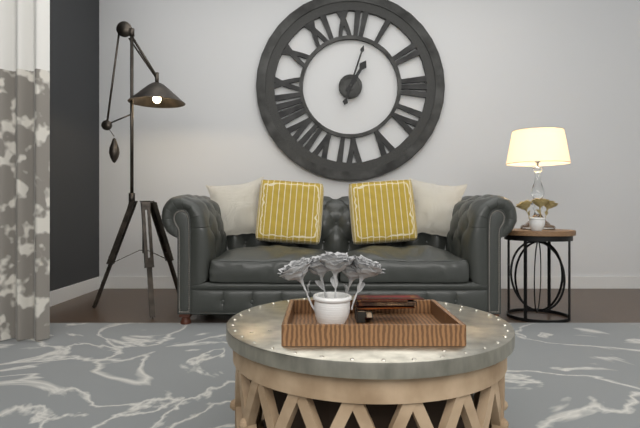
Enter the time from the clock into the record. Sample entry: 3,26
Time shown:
1,03
